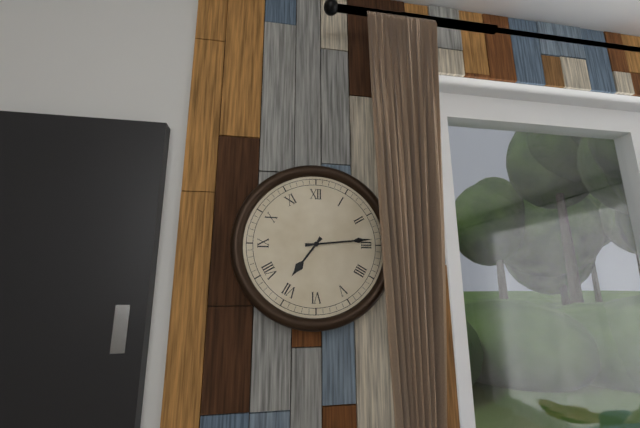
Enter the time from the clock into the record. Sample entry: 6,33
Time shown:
7,14
